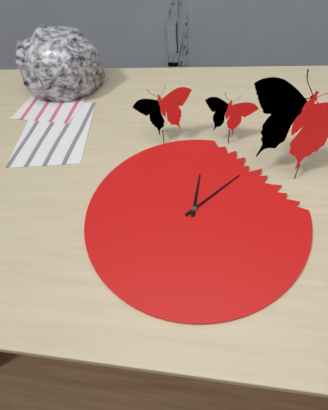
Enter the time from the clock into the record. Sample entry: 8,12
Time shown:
12,07
